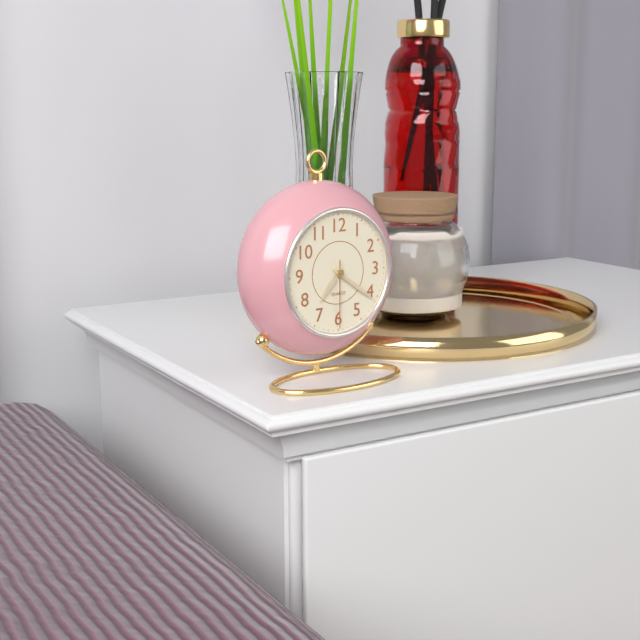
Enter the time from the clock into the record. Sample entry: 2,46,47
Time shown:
7,21,30
